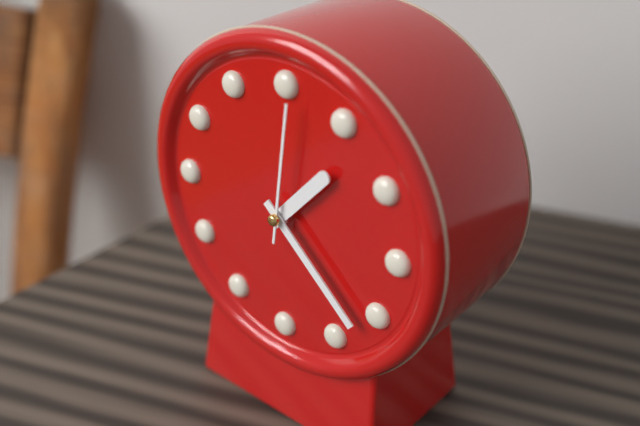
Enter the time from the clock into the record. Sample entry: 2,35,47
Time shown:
1,22,01
